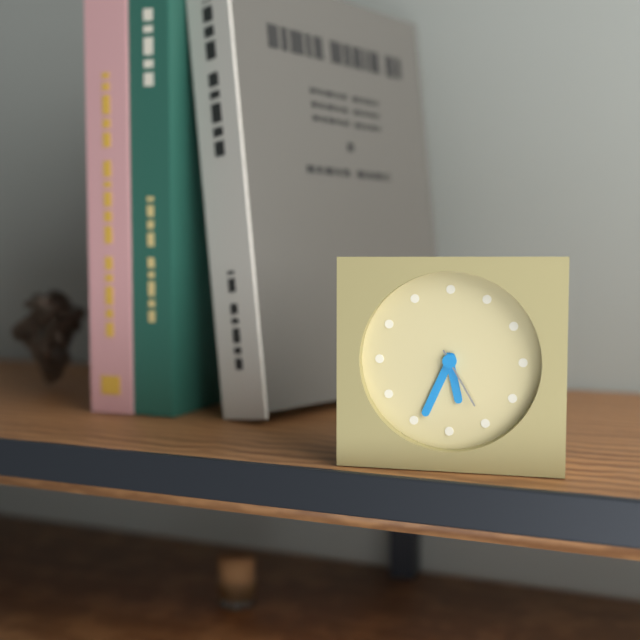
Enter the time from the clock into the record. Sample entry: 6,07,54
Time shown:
5,34,25
